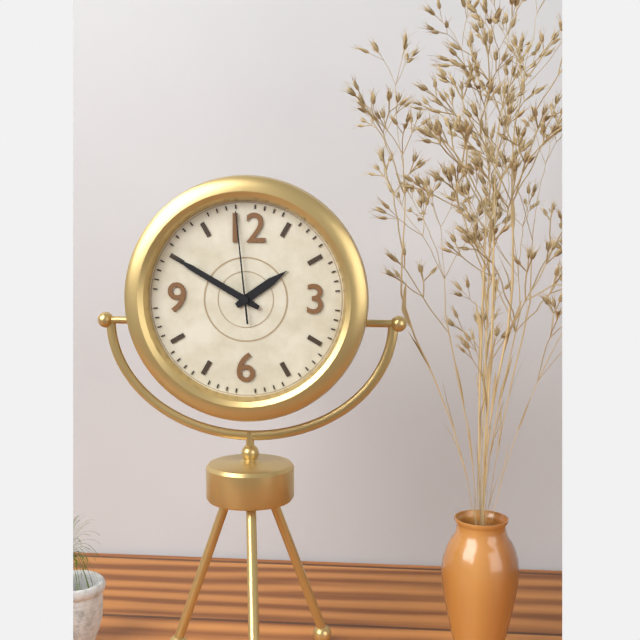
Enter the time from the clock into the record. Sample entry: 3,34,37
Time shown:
1,50,59
